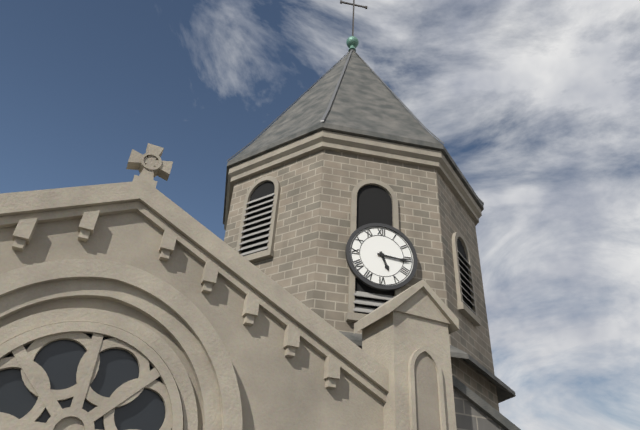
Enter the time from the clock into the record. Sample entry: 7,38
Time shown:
5,16
